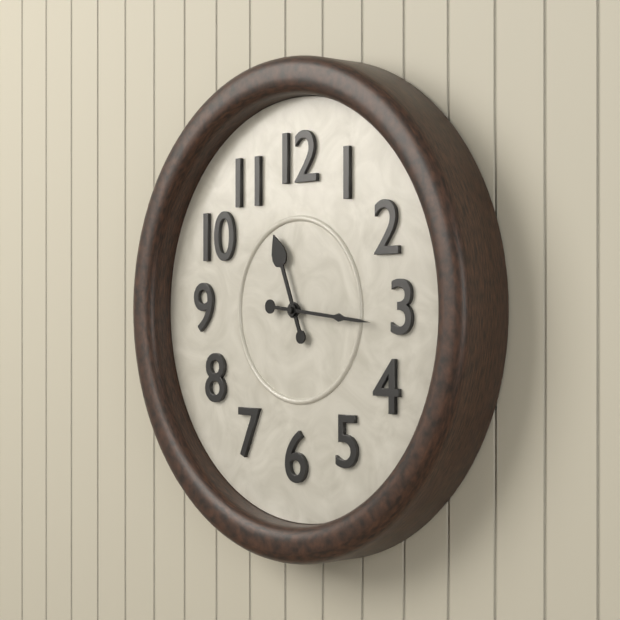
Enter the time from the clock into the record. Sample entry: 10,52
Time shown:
11,16
